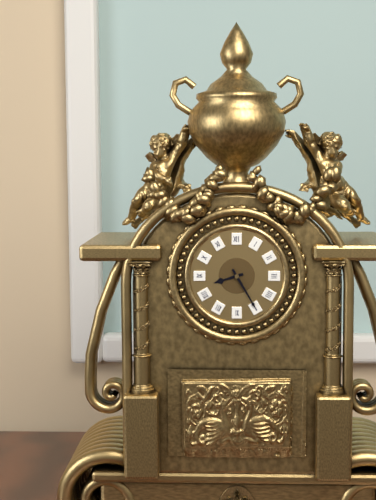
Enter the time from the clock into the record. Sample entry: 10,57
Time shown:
8,25
